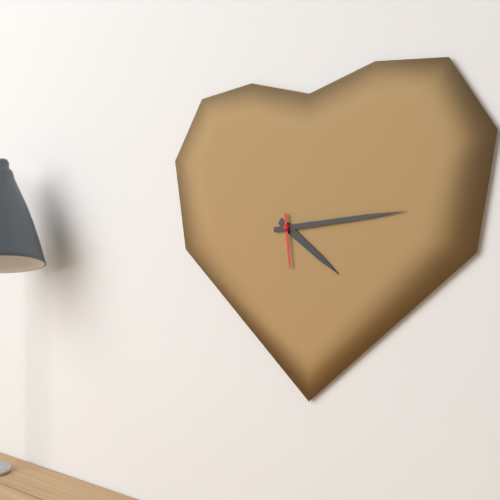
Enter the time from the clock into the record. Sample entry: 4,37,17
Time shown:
4,14,29
